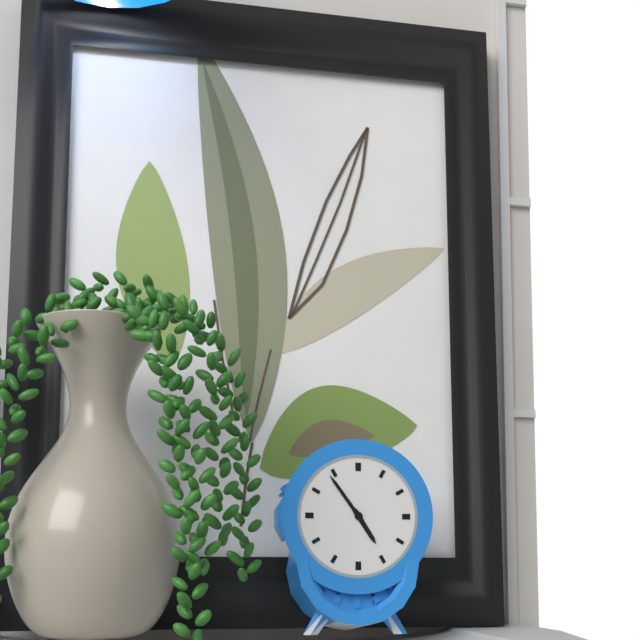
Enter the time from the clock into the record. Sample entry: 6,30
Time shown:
4,54
